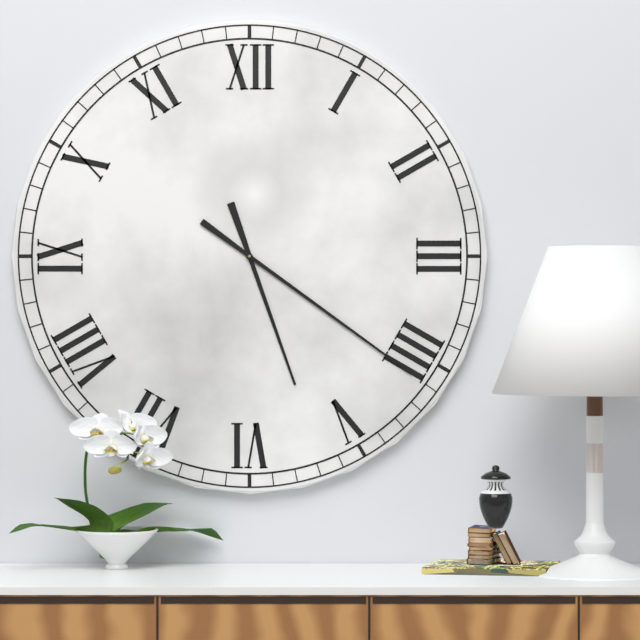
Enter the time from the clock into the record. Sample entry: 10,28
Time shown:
5,21
